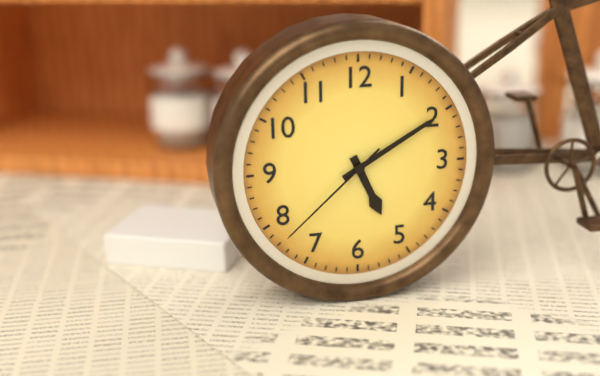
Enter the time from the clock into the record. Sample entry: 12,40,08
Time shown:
5,10,38
